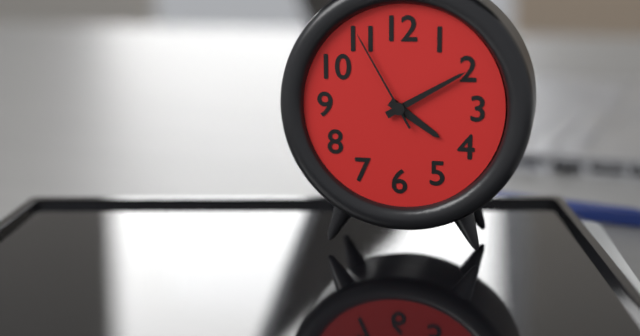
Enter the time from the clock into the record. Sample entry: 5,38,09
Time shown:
4,10,55
